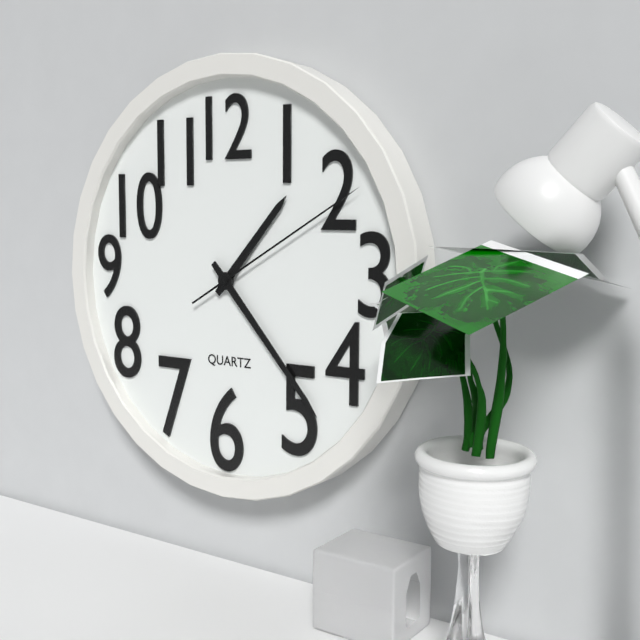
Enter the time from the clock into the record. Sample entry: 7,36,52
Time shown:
1,23,10
